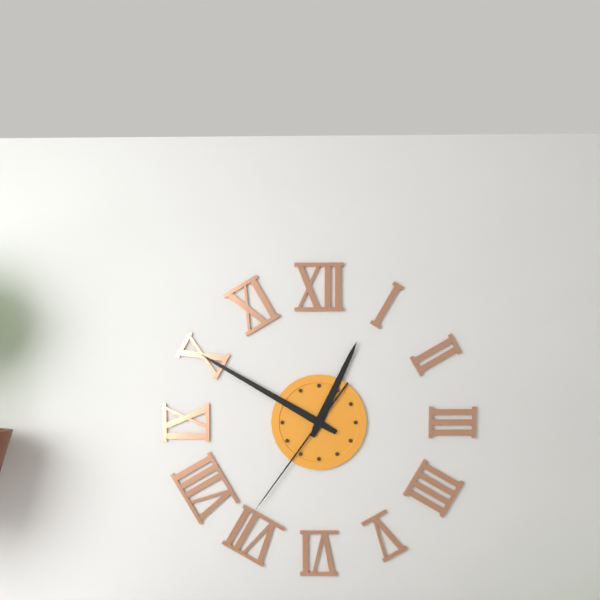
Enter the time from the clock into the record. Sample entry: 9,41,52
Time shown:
12,50,36
